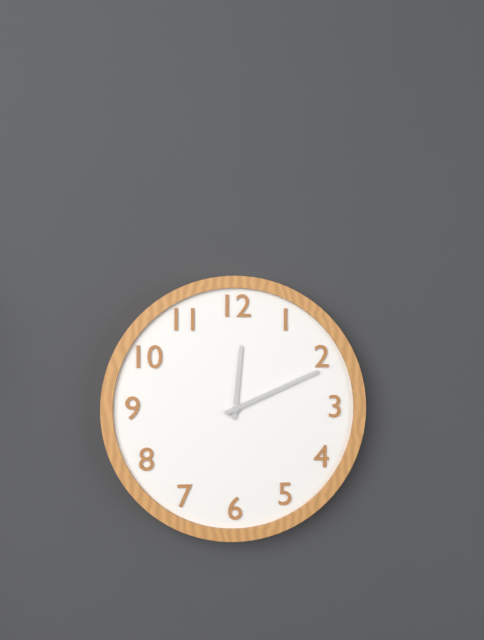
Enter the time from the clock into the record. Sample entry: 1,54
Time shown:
12,11
